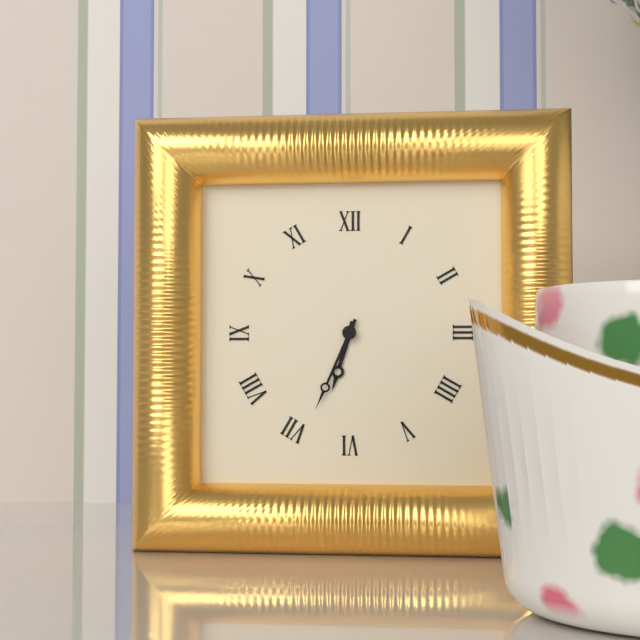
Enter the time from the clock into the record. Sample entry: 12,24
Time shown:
6,34
